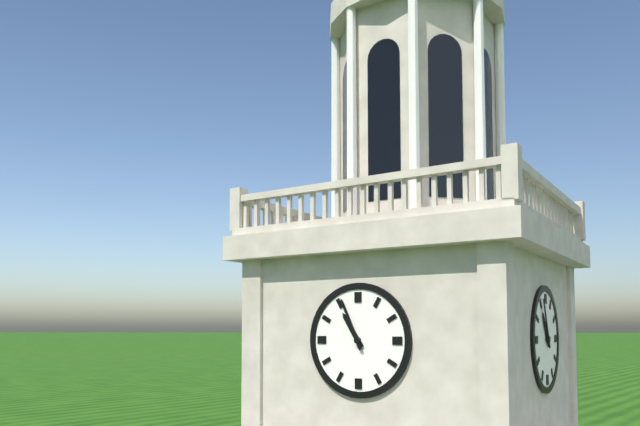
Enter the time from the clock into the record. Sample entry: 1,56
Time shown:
10,56
